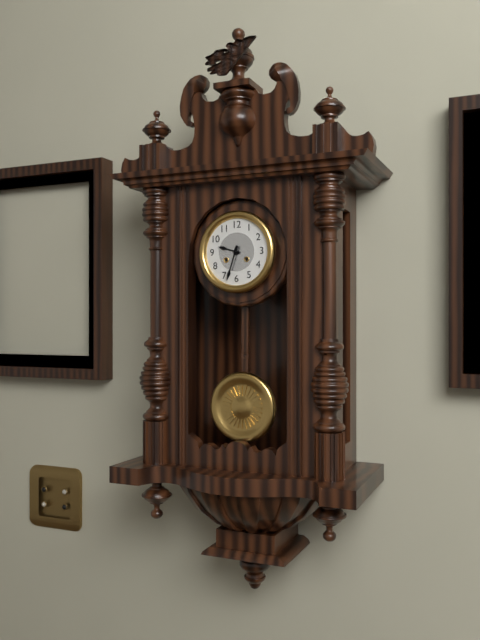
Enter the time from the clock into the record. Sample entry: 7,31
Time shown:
9,33
